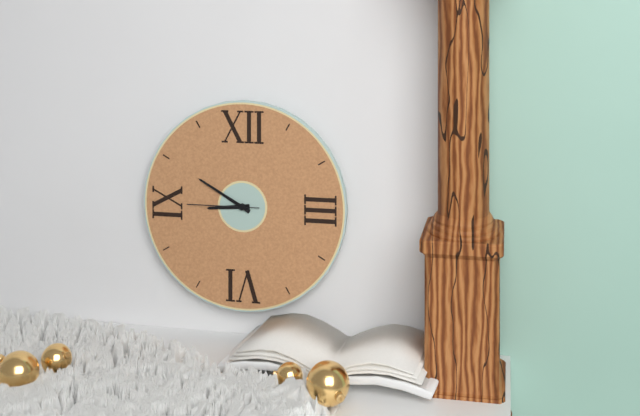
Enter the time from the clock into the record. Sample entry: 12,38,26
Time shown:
8,50,45
